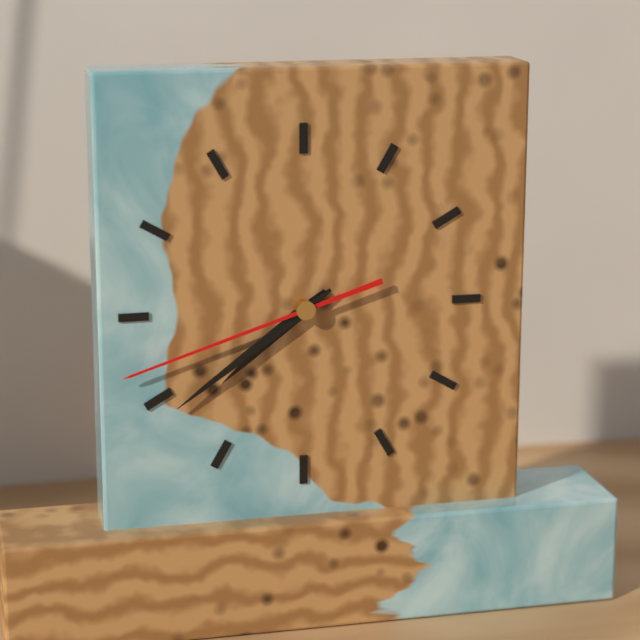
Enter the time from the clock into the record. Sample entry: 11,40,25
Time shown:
7,39,42
